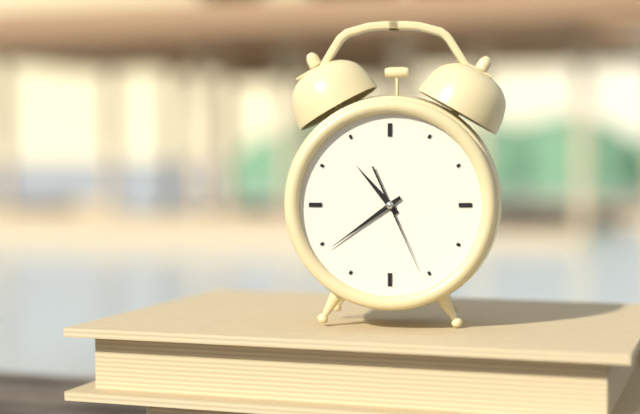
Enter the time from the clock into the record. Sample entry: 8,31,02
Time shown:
10,39,26
